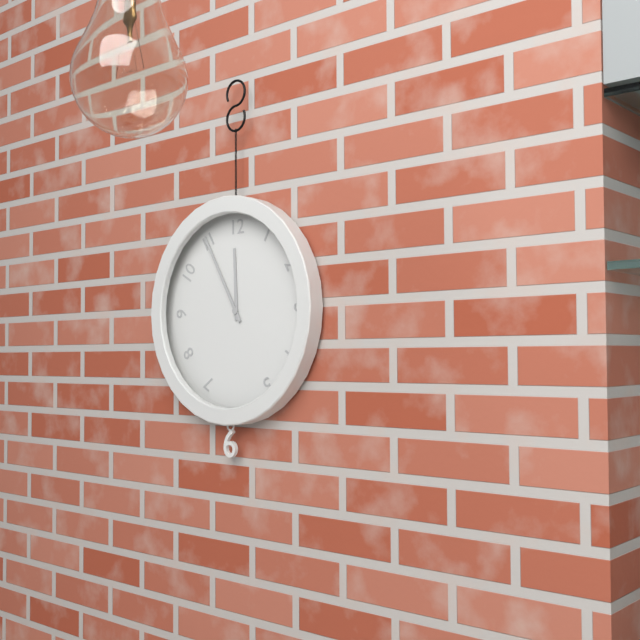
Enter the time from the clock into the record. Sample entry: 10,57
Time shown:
11,55
